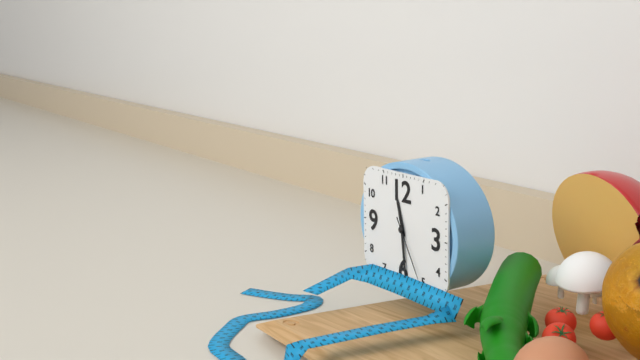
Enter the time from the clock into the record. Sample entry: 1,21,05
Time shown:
11,29,25
